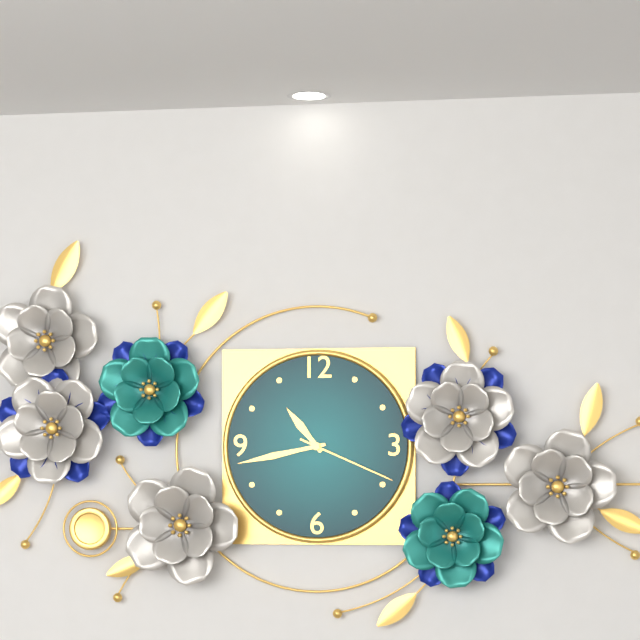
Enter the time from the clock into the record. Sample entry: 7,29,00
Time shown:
10,43,19
